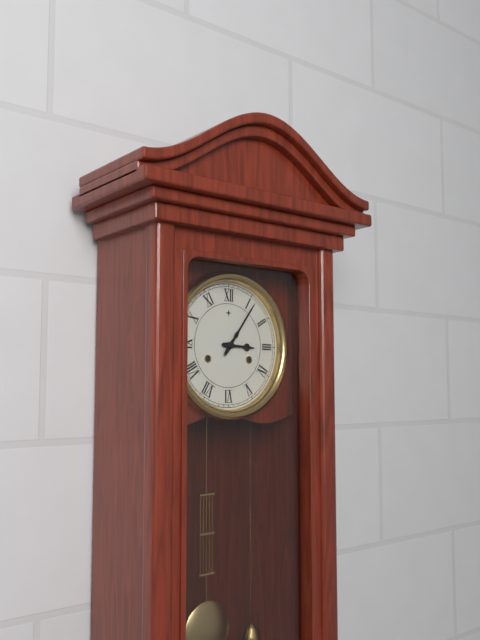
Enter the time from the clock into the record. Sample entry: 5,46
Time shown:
3,06
